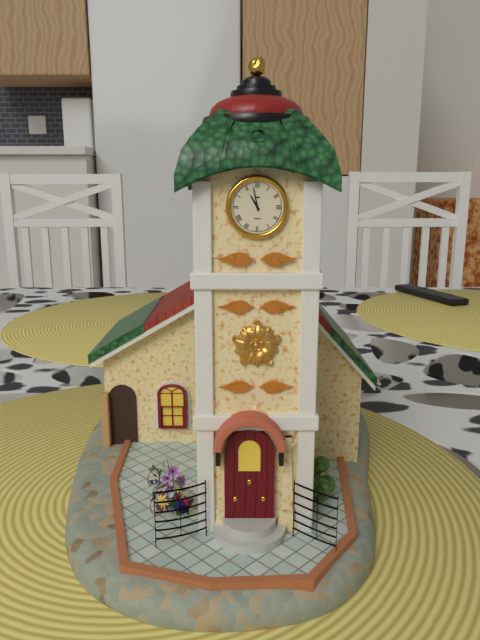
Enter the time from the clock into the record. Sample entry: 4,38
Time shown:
10,58
